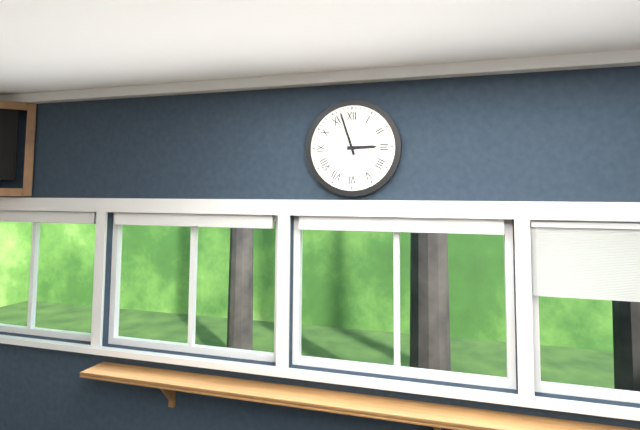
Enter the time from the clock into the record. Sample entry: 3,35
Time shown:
2,57
